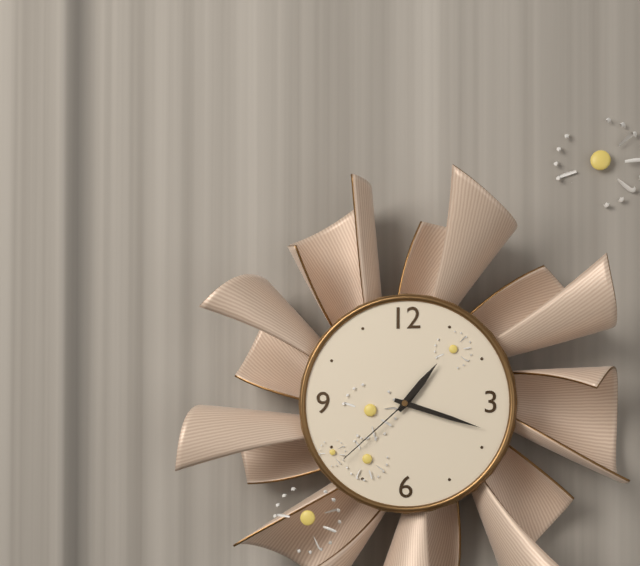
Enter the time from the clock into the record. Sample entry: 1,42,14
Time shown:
1,18,38
